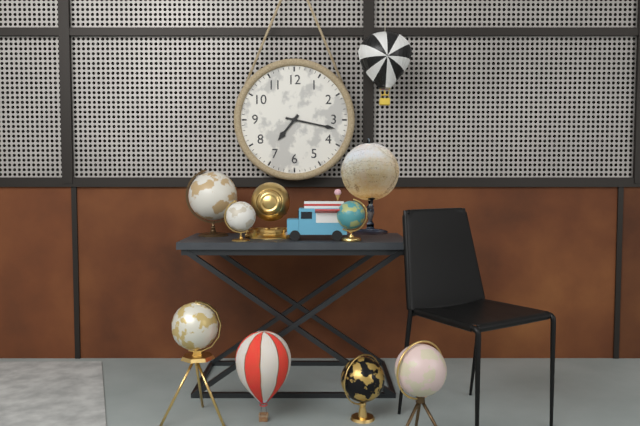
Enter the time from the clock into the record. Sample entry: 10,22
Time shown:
7,17
